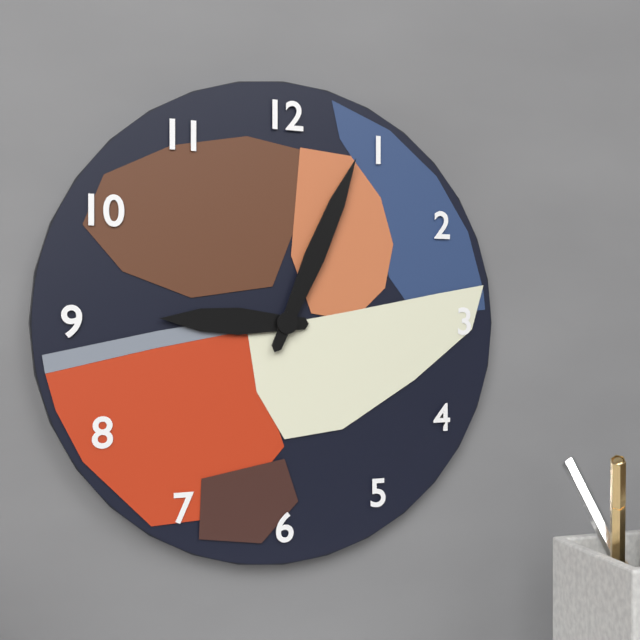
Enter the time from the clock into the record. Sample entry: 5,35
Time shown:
9,04
